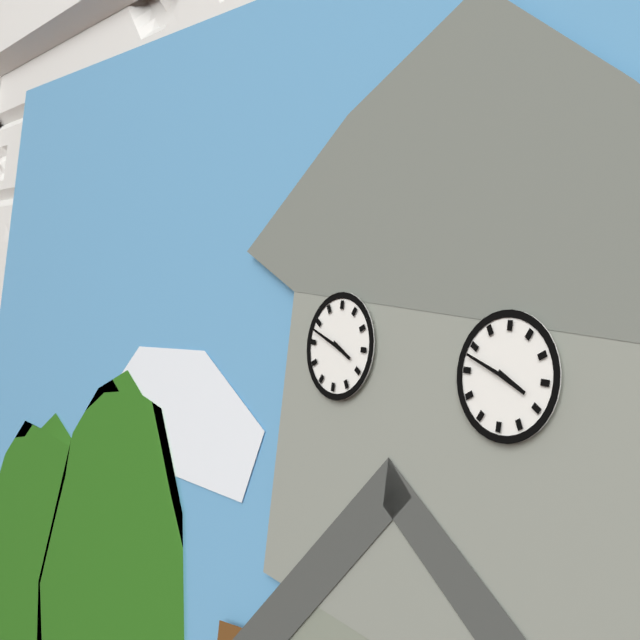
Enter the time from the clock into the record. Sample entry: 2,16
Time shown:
3,48
